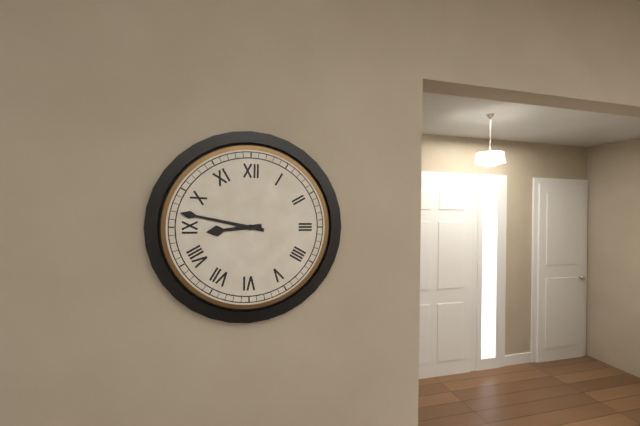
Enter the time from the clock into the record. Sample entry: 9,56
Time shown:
8,47
